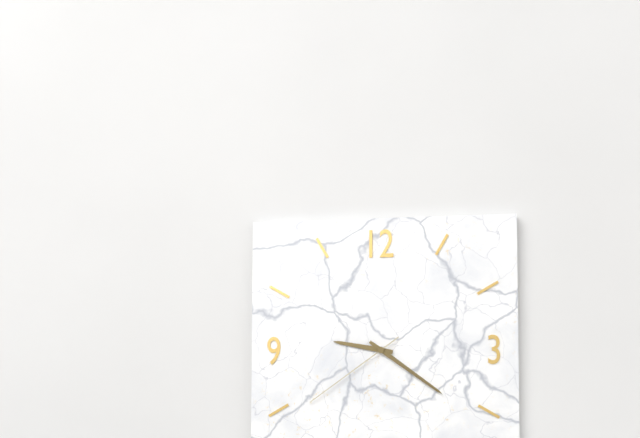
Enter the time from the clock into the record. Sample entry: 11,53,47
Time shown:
9,21,39
